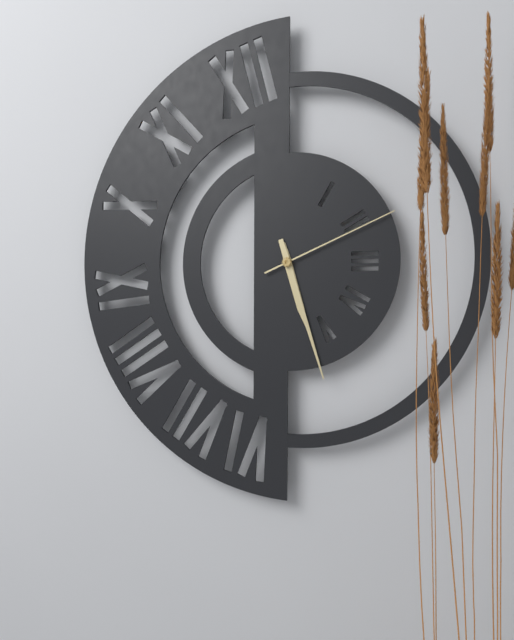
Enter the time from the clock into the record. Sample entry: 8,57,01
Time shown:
5,27,11
